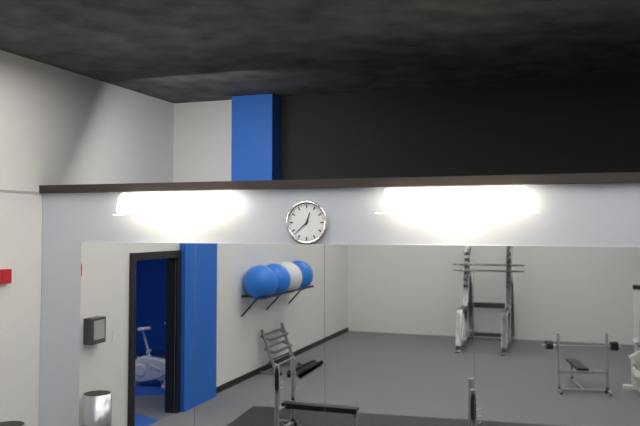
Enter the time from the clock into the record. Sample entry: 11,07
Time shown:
12,38
